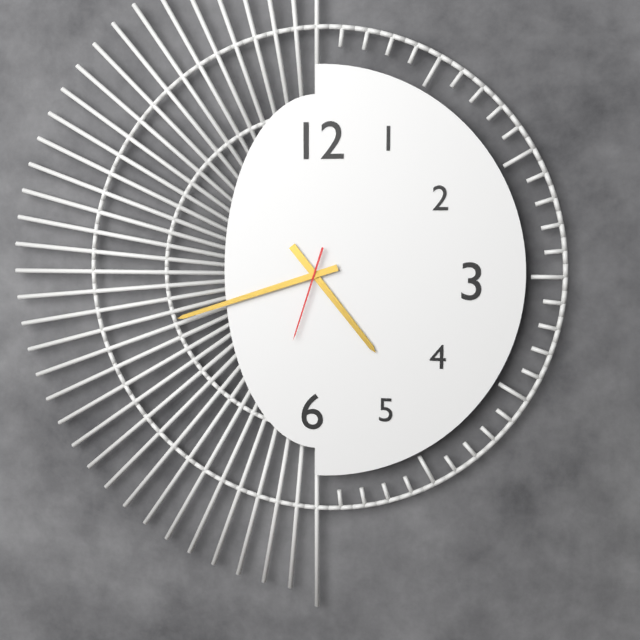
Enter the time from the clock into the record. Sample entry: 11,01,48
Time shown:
4,42,33
